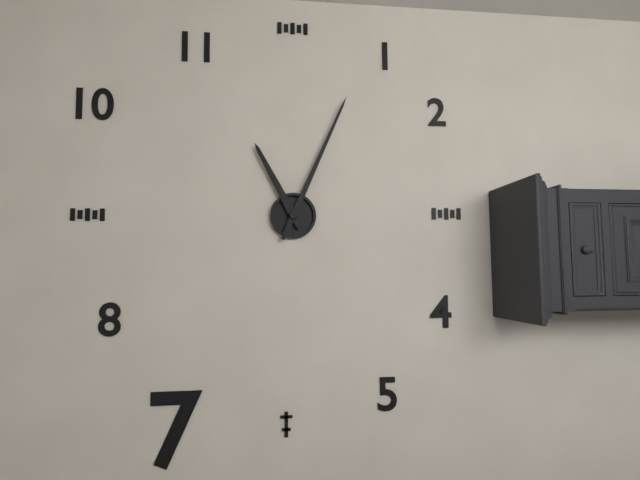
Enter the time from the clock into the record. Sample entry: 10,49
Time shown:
11,04
